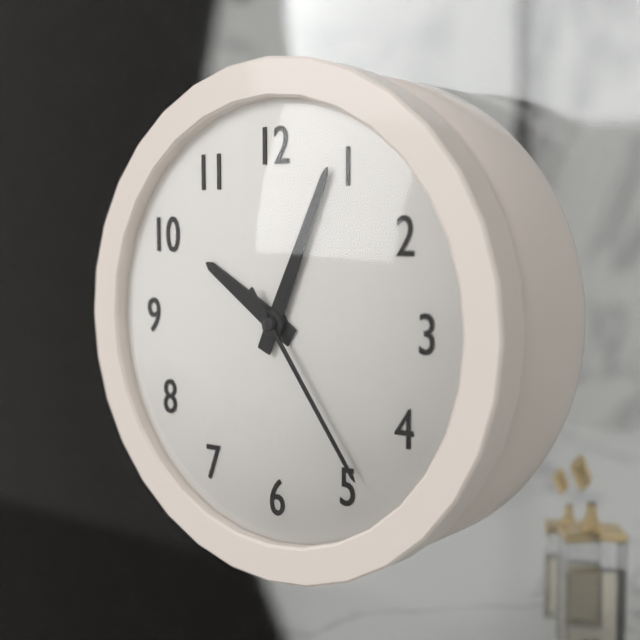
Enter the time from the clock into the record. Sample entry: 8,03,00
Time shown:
10,04,24
